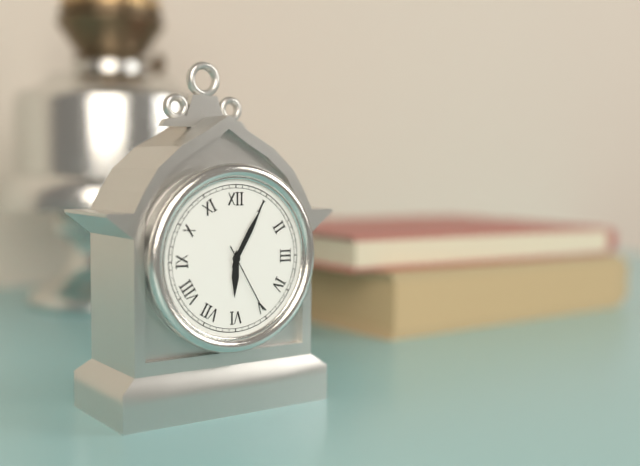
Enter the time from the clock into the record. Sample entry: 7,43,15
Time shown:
6,05,25
